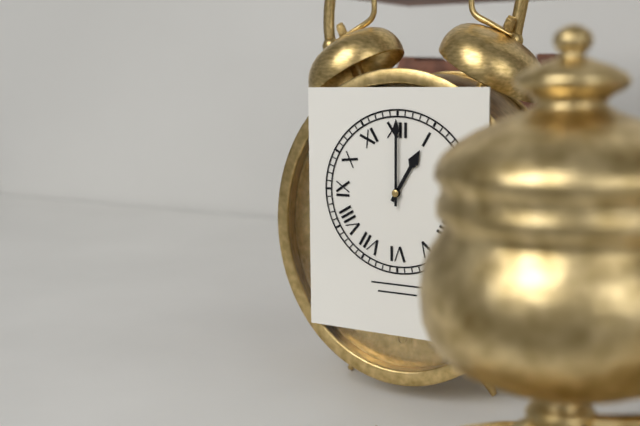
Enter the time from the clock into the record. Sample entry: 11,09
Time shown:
1,00
